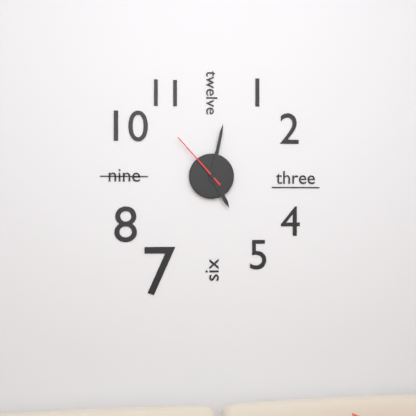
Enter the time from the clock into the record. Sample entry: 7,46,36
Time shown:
5,02,53
